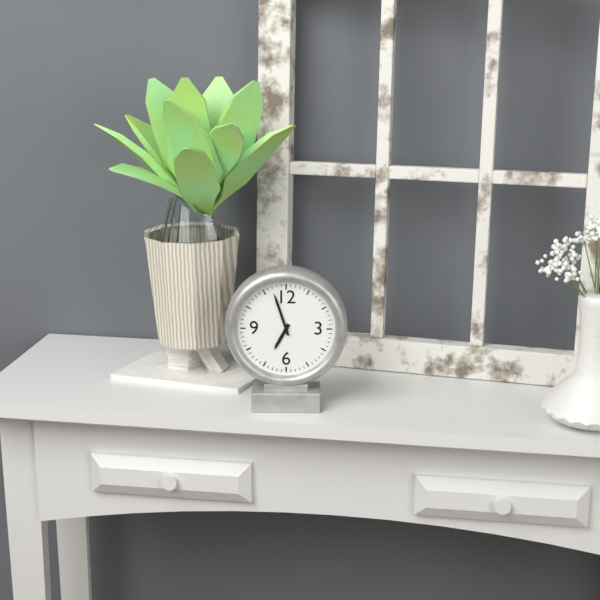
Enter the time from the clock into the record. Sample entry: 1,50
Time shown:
6,57
